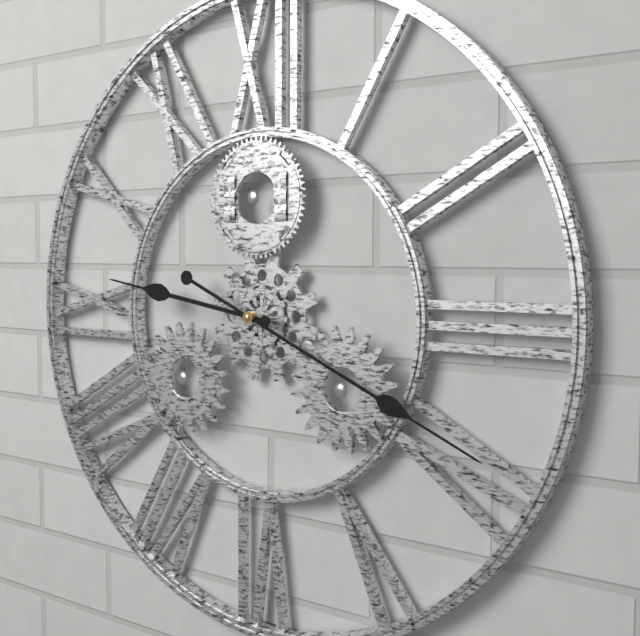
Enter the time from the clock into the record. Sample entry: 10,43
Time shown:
9,19
